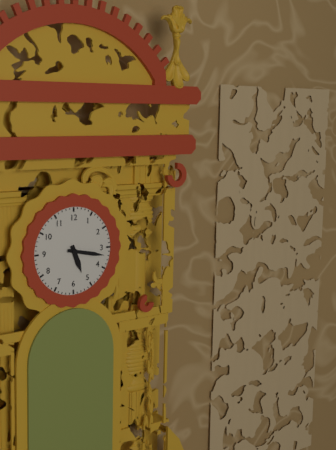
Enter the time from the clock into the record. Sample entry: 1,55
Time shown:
5,17
